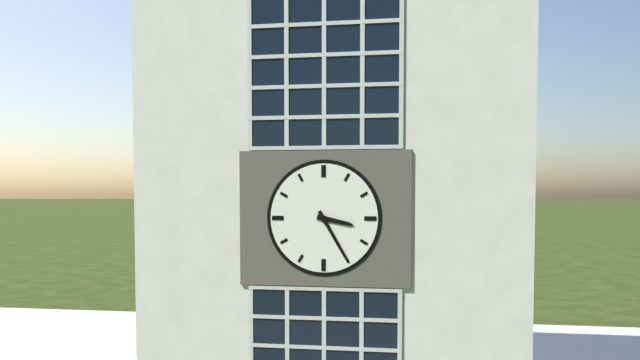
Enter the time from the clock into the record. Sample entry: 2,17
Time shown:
3,25
